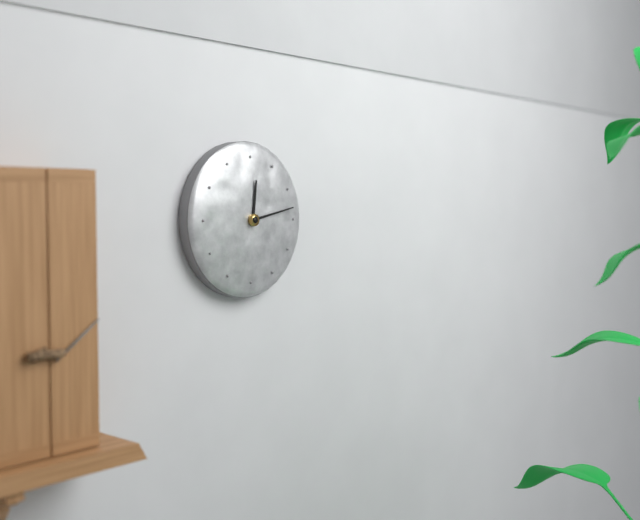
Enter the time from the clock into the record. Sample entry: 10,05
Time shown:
12,13
